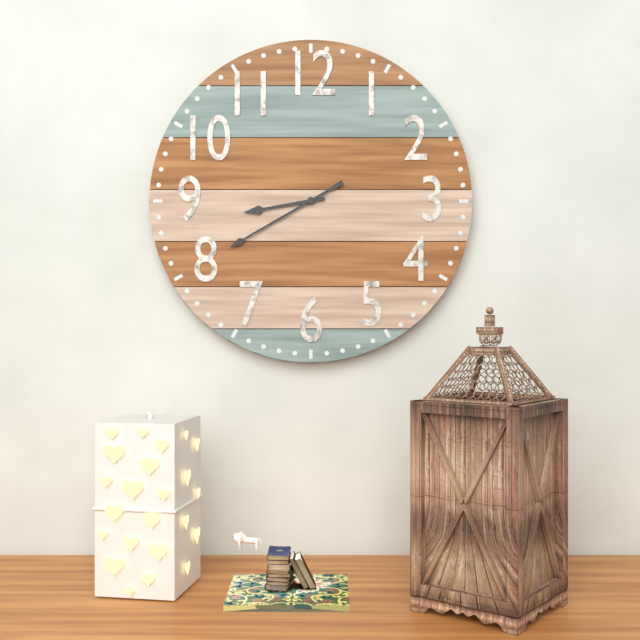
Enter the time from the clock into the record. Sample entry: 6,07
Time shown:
8,40
